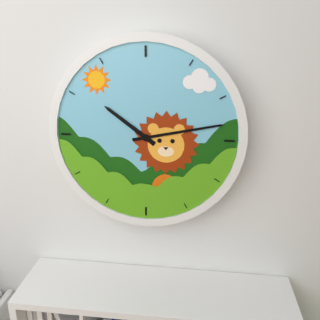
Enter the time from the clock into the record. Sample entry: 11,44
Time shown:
10,13
